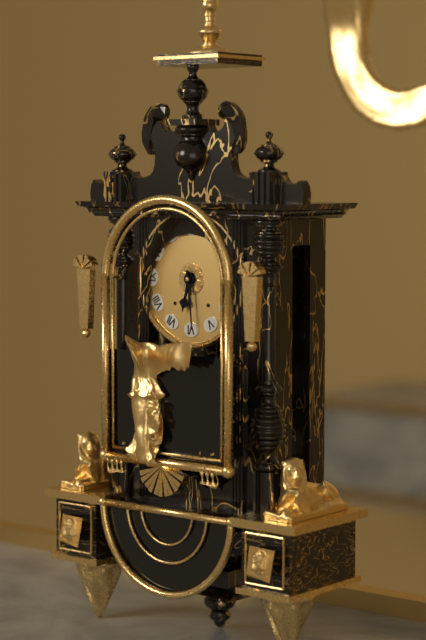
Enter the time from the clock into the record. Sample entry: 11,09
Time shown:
6,29
